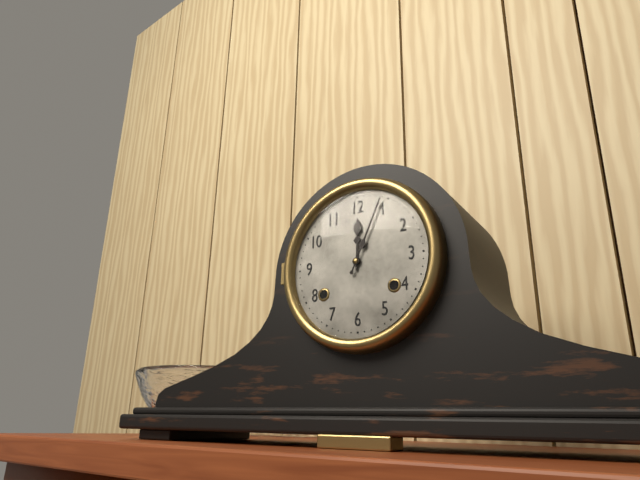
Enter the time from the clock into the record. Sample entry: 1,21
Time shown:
12,04
